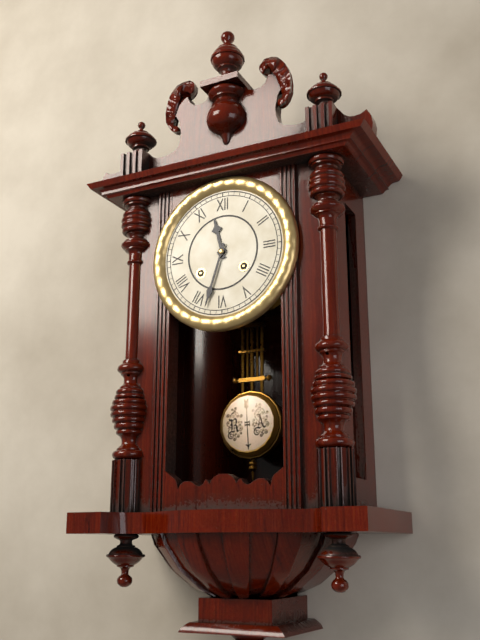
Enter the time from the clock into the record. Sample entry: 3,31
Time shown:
11,33
